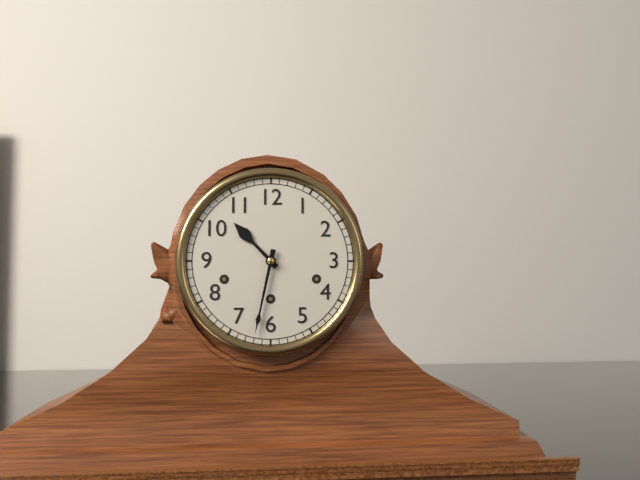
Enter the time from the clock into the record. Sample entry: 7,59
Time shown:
10,32
